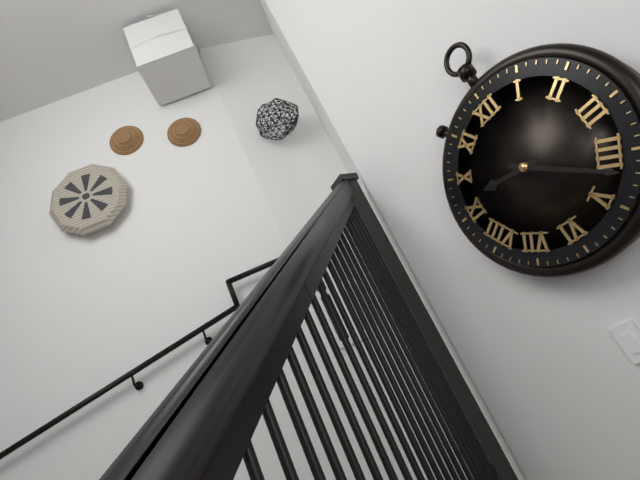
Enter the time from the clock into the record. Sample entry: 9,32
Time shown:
9,22
